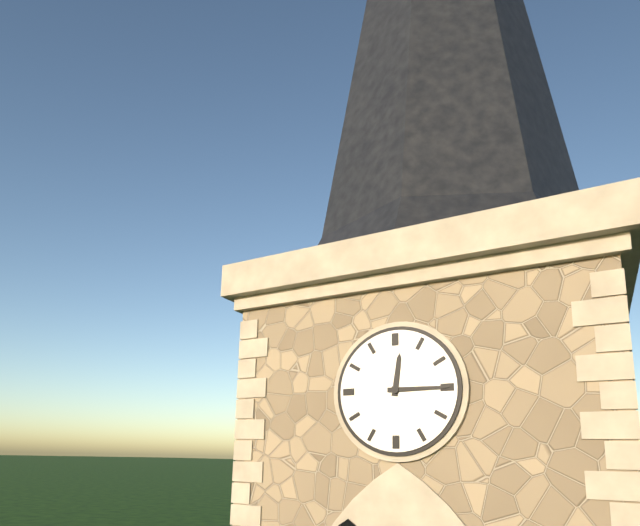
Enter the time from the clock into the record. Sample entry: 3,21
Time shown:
12,15
